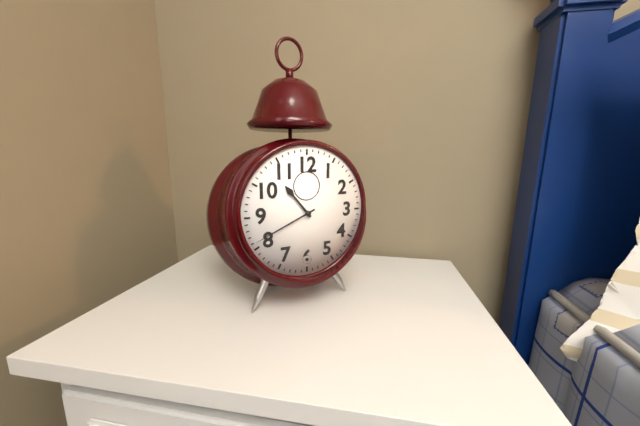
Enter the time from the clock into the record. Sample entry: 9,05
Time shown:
10,41
